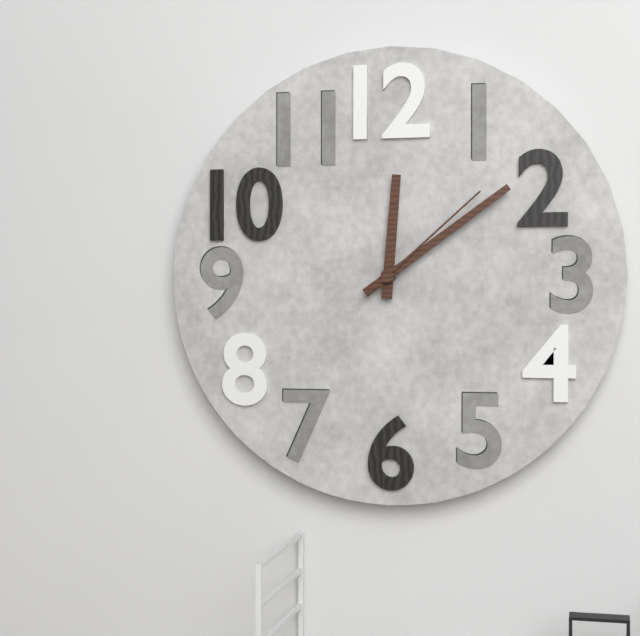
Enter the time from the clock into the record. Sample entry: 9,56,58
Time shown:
12,09,08
